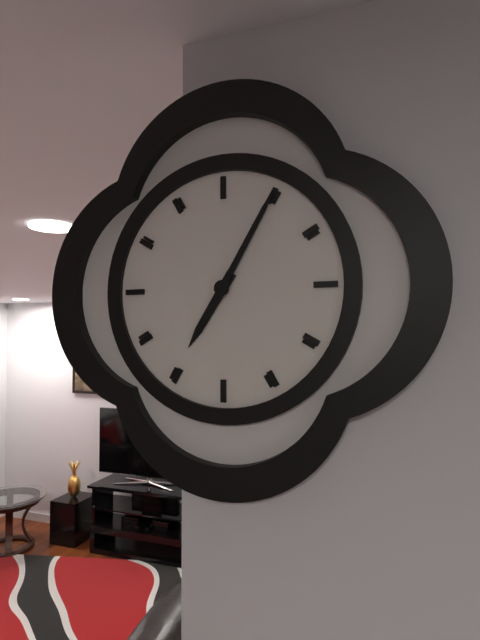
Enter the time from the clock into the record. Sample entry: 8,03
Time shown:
7,05
